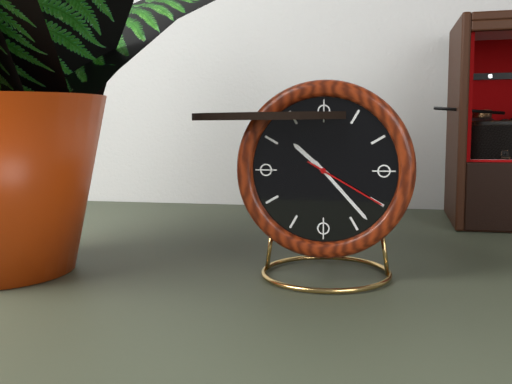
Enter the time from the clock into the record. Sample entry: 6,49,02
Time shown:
10,23,20
